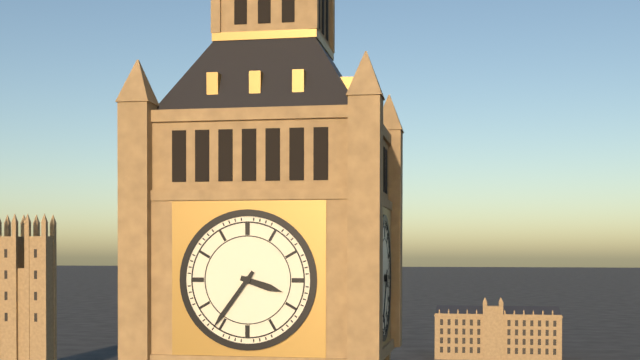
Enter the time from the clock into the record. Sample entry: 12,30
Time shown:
3,36
